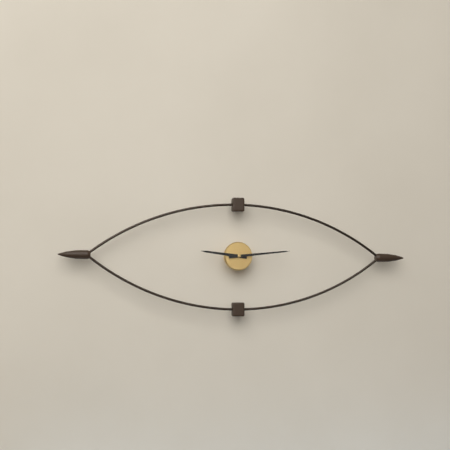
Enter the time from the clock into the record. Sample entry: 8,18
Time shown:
9,14
